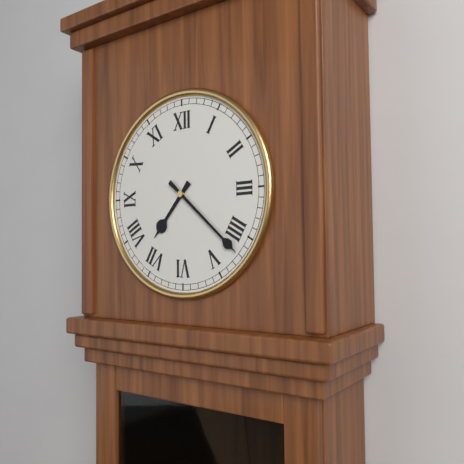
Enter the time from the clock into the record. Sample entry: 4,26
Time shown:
7,22
